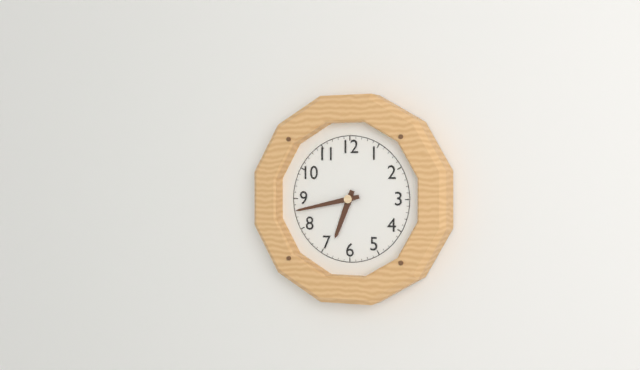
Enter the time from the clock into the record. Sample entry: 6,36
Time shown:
6,43
